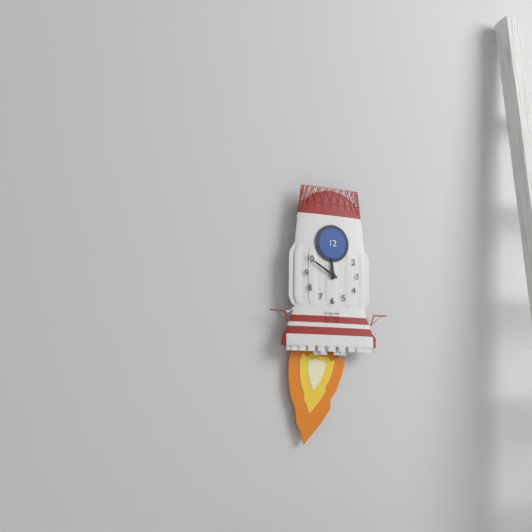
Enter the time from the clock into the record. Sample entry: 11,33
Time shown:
11,50
